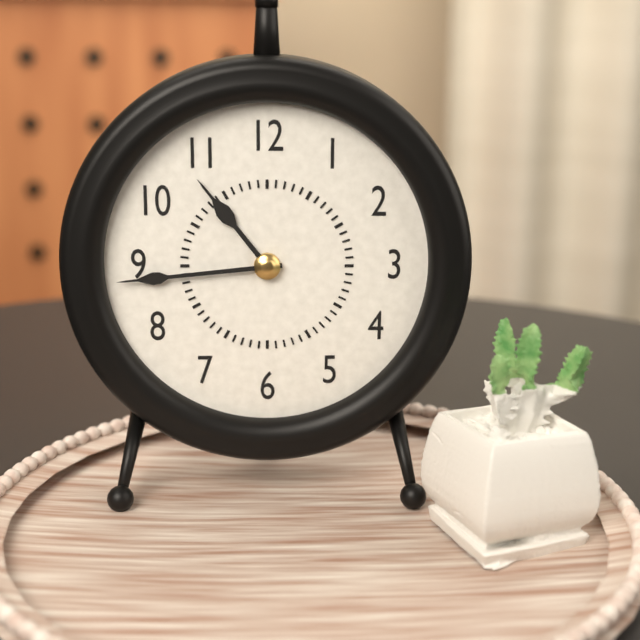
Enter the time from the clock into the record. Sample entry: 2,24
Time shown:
10,44
